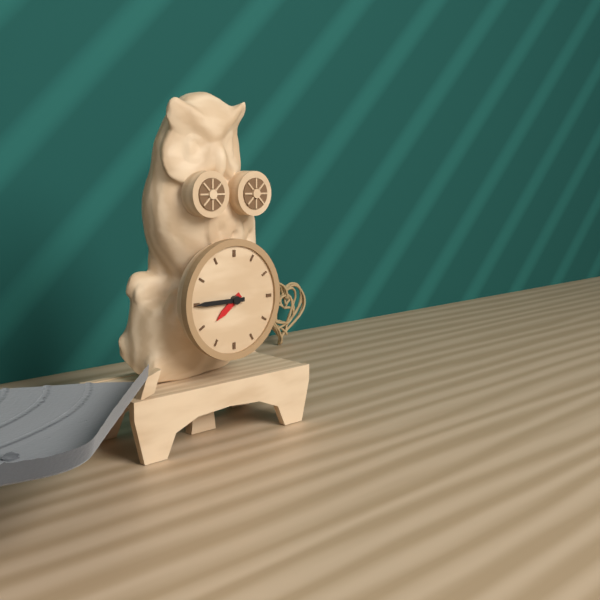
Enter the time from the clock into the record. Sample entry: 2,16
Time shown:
7,45
